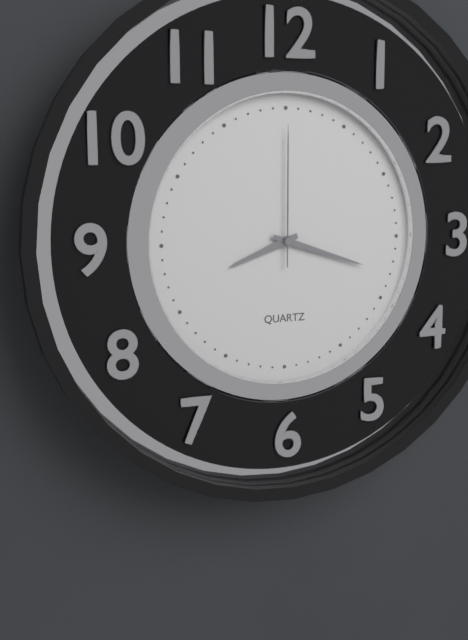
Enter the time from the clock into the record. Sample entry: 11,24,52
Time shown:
8,18,00
